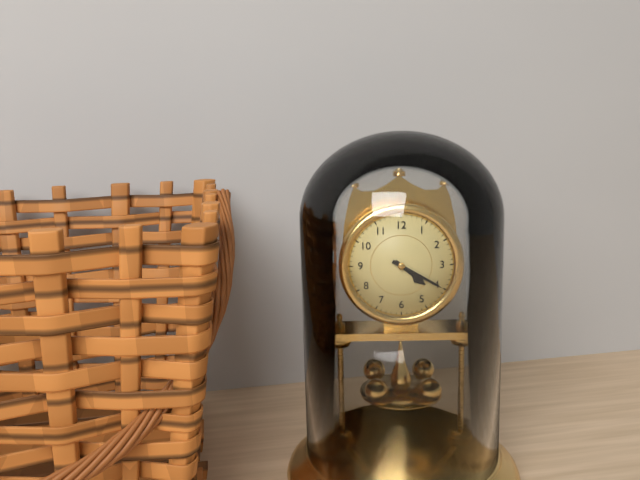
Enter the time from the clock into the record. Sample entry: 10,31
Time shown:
4,20
